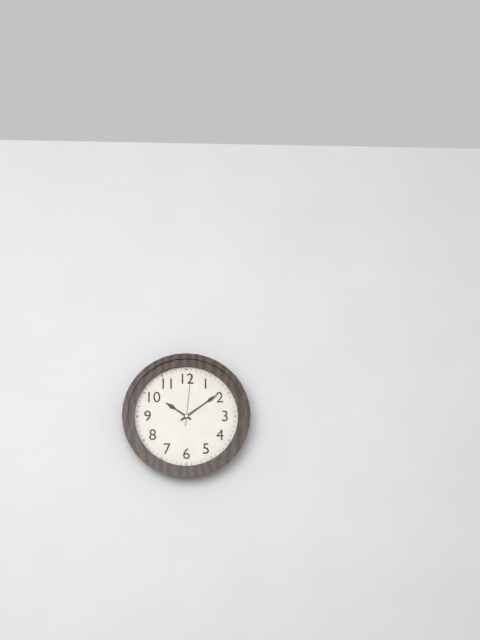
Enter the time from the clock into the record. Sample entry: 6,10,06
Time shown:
10,09,01
